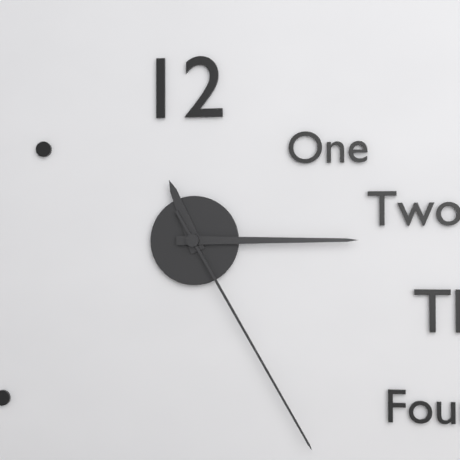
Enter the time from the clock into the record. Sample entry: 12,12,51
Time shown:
11,15,25
